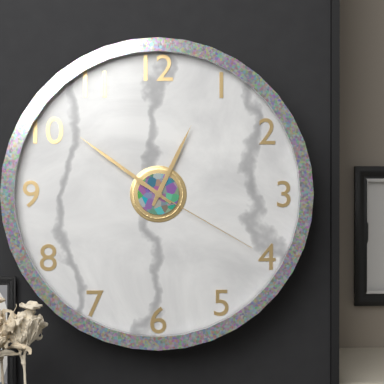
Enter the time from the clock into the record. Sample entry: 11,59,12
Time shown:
12,51,20
